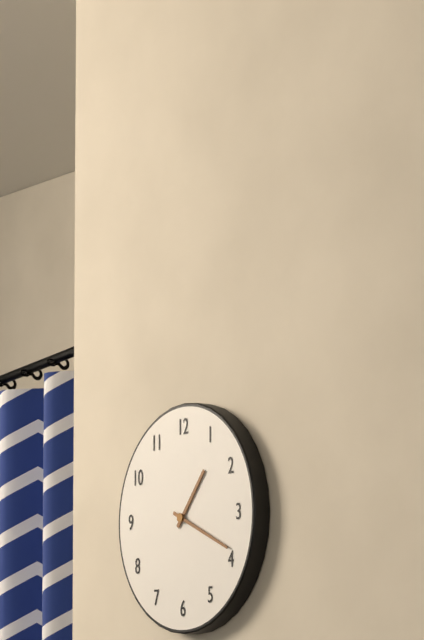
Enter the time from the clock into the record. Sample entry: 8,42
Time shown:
1,19
